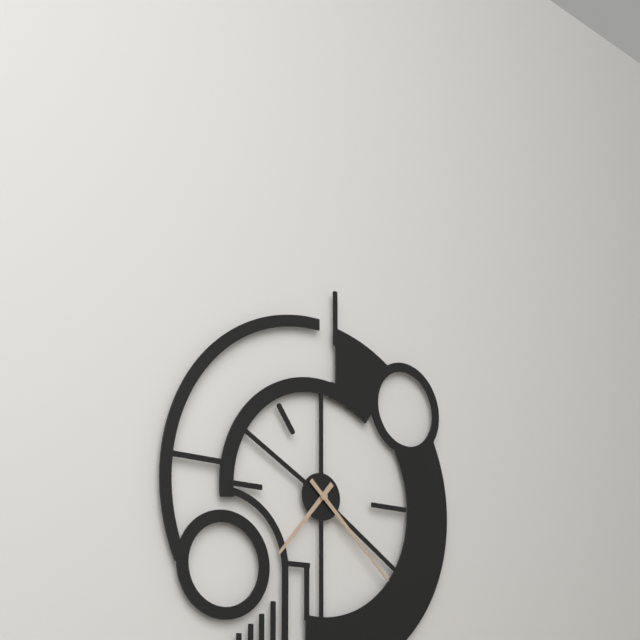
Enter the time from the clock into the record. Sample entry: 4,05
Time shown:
7,22
